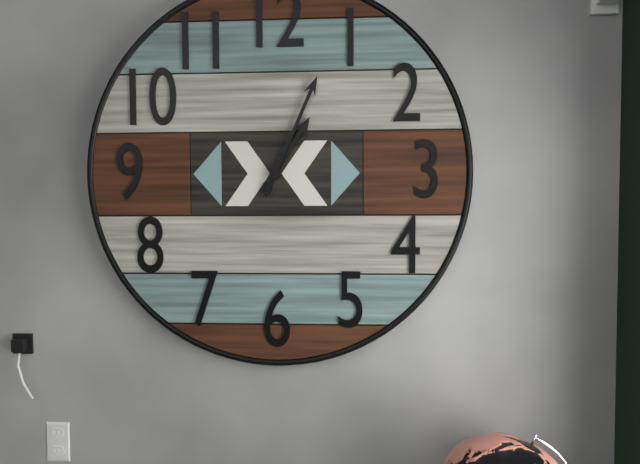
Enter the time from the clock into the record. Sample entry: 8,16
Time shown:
1,04
